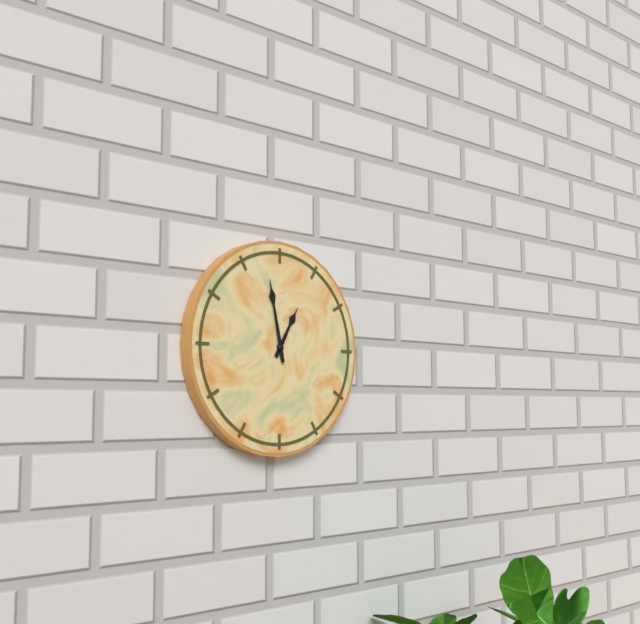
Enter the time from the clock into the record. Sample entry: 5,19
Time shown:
12,58
